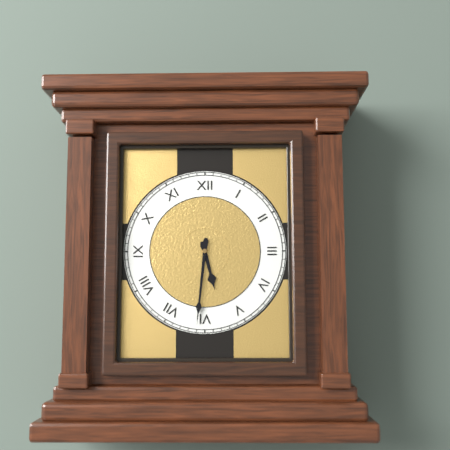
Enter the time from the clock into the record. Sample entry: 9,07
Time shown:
5,31
